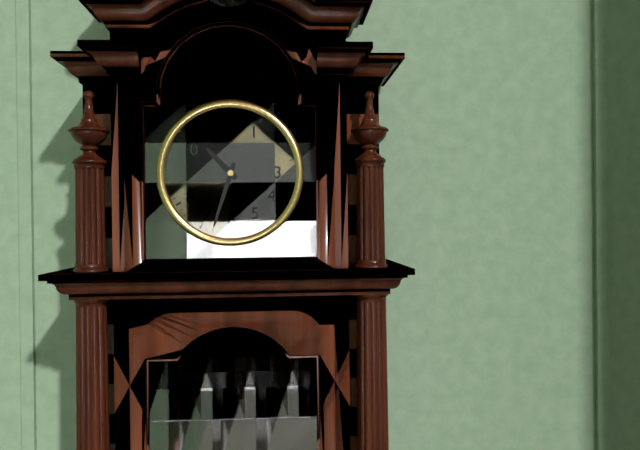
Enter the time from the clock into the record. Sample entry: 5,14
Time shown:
10,33
